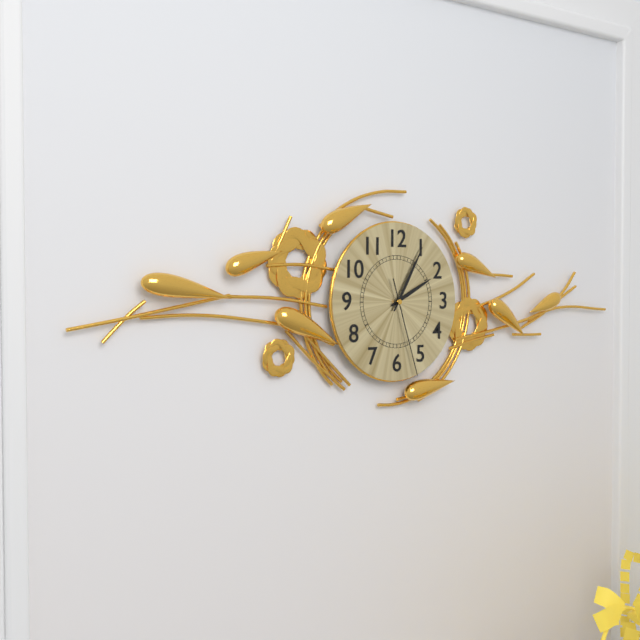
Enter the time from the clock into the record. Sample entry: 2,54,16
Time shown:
2,05,27
